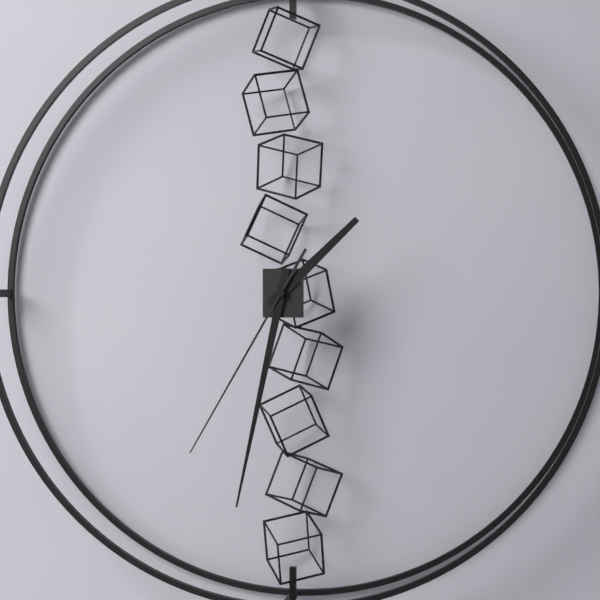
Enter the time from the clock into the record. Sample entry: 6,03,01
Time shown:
1,32,35
